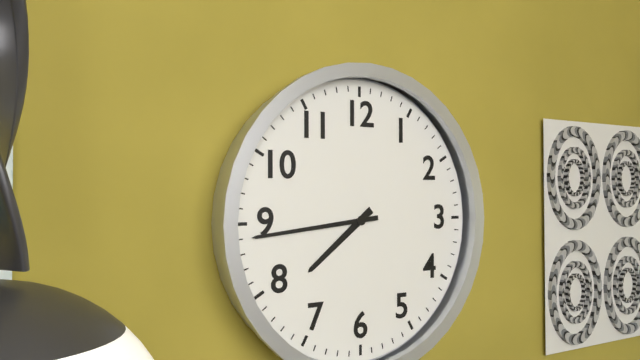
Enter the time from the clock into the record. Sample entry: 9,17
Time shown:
7,44
